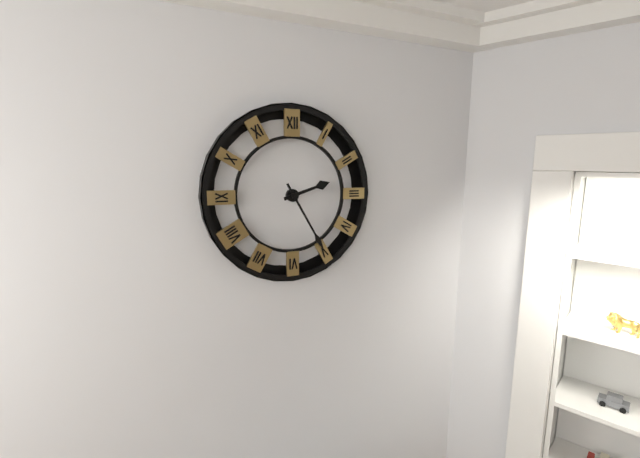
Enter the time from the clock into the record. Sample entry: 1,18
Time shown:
2,25
